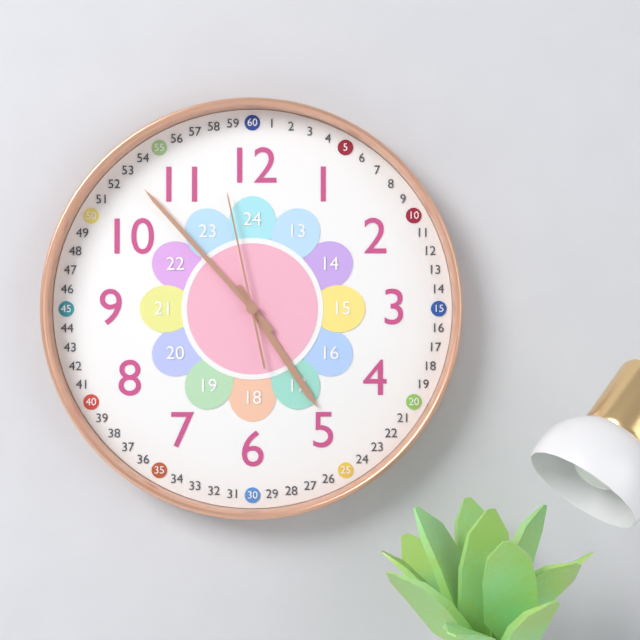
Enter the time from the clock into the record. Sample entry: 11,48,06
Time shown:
4,53,58
